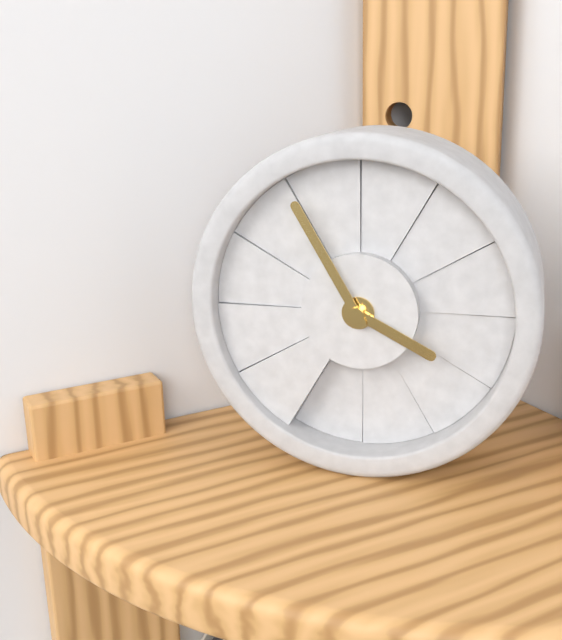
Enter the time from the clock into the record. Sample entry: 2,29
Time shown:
3,55
